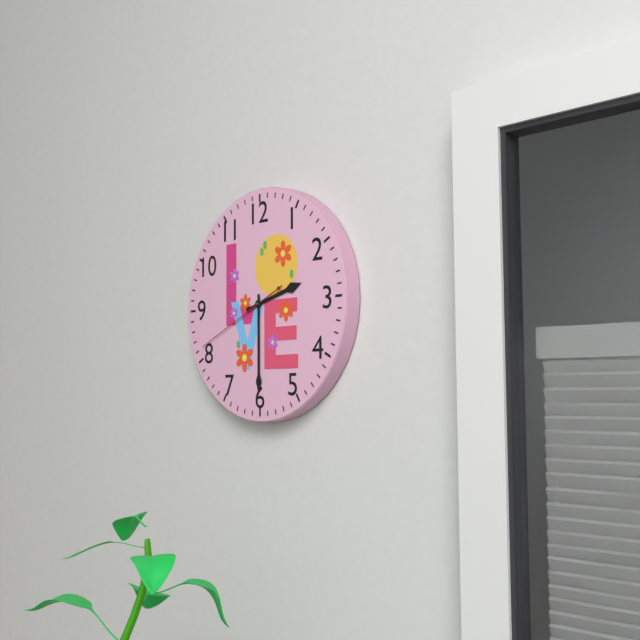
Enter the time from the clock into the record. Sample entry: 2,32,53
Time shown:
2,30,41
